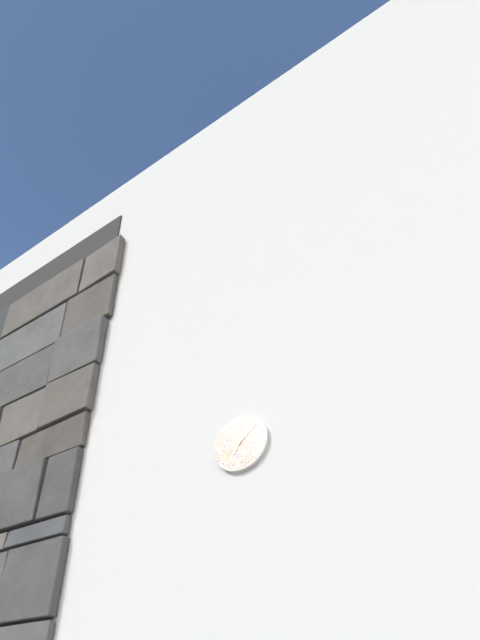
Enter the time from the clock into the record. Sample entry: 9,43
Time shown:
7,08
